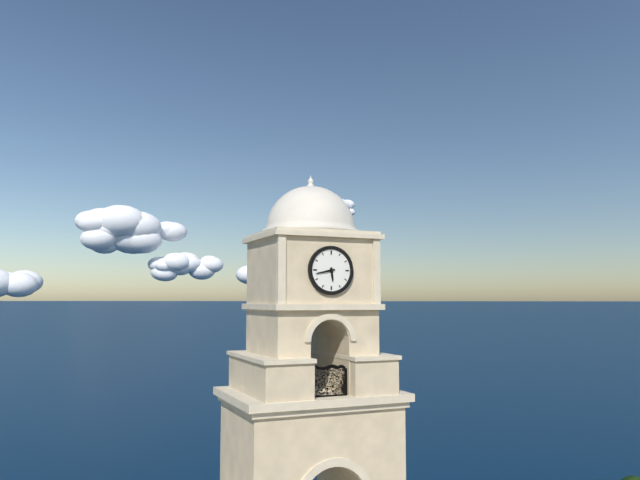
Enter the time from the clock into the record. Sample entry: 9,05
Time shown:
5,43
